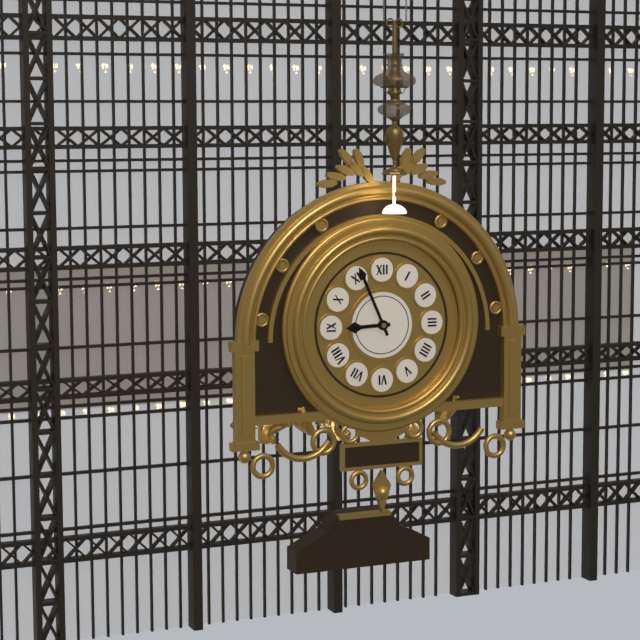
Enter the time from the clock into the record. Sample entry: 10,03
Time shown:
8,56
